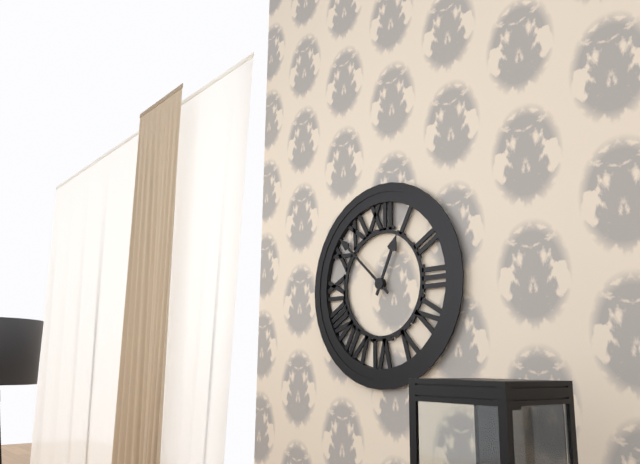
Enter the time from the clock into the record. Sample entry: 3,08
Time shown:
12,52
